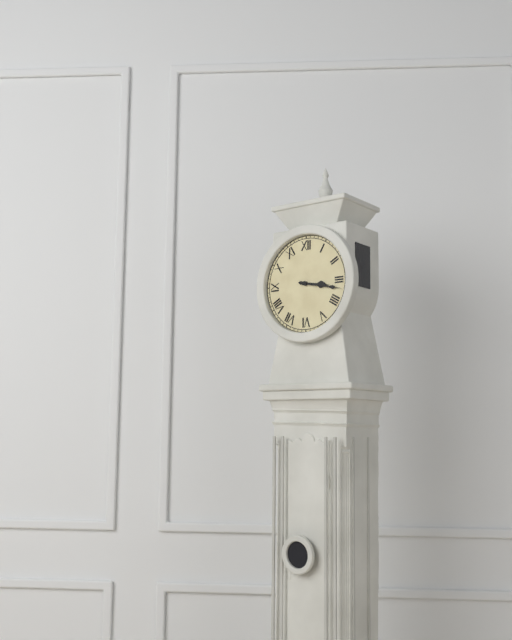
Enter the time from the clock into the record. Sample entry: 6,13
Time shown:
3,17
